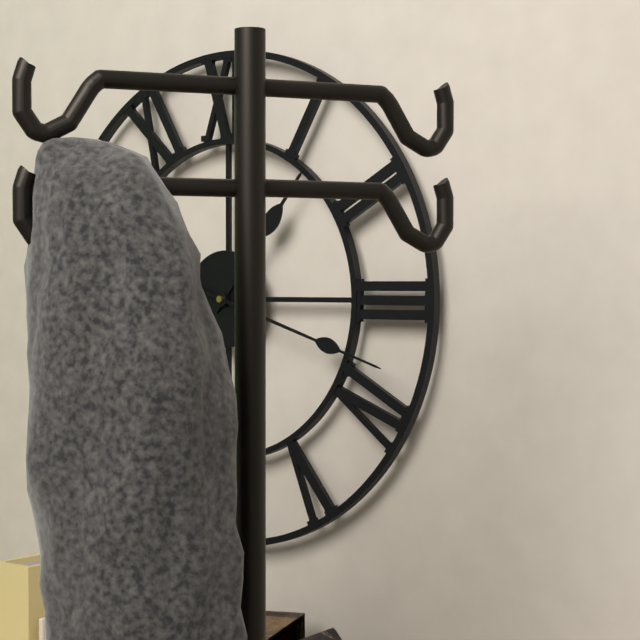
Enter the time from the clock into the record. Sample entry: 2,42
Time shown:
1,18
